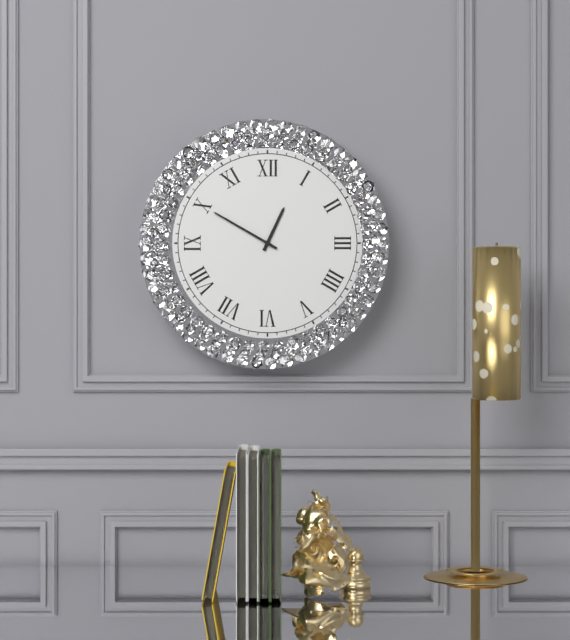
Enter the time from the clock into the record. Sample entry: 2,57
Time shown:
12,50
